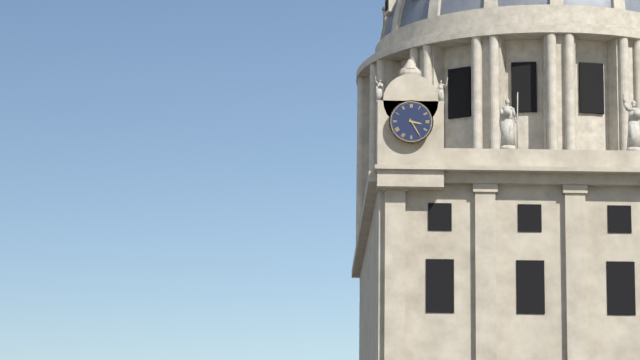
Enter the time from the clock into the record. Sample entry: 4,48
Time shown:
3,25
